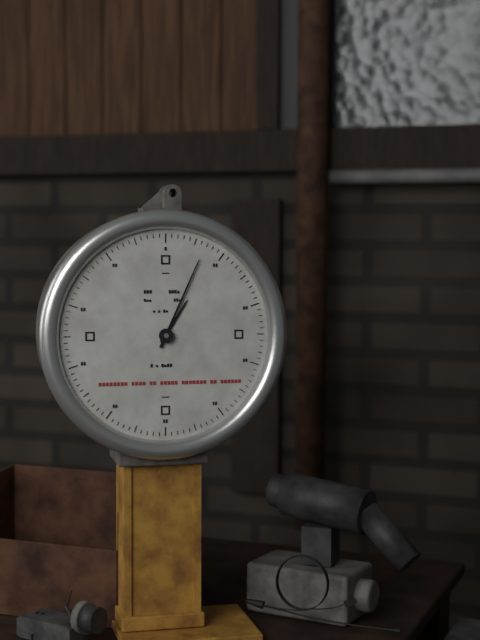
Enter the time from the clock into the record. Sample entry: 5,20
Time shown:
1,04
